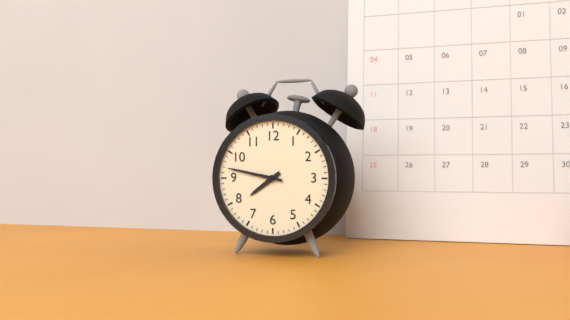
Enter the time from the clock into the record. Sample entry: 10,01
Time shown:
7,47
